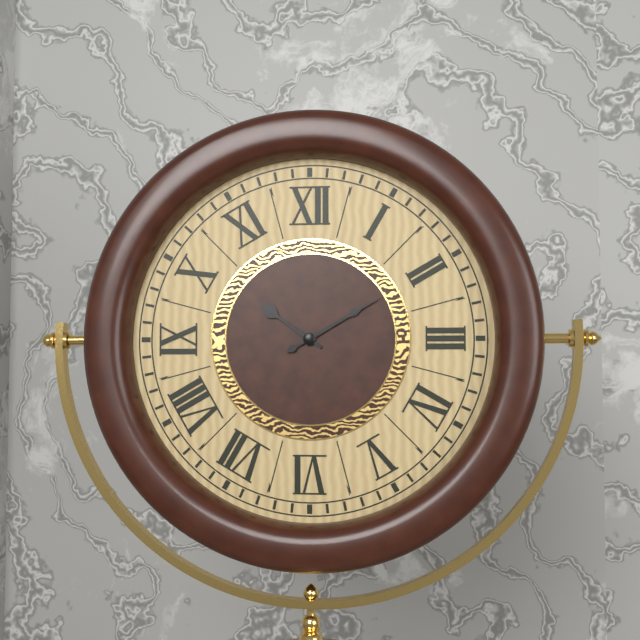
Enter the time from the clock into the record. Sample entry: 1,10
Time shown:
10,10
